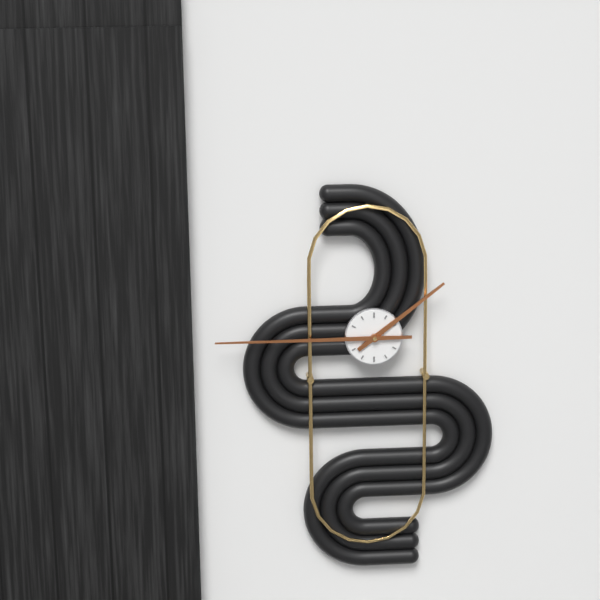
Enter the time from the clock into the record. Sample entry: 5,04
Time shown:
1,45
